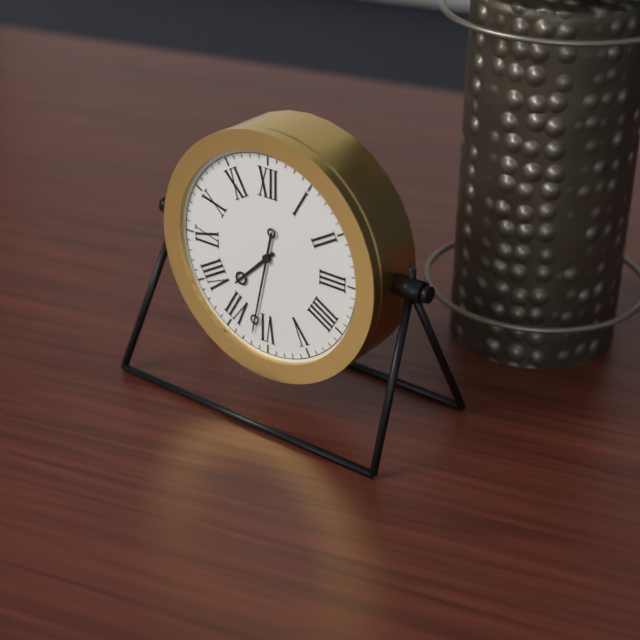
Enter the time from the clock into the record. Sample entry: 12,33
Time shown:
7,32
